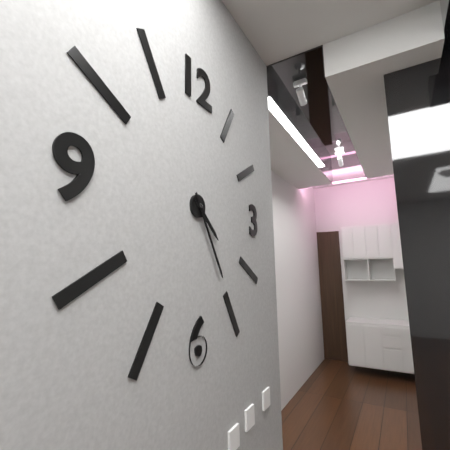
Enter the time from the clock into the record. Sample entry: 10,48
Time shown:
4,25
